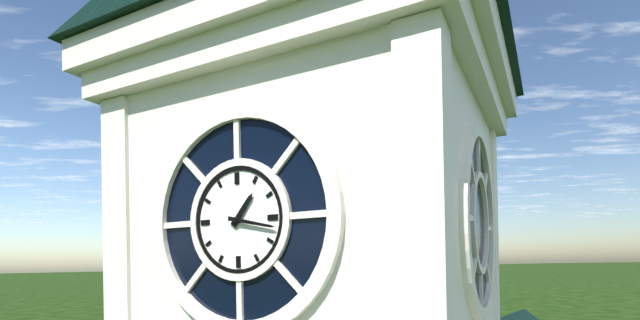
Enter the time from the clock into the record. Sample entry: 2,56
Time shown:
1,17
